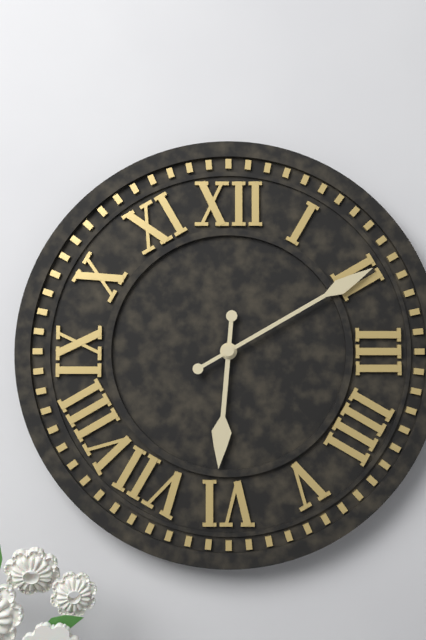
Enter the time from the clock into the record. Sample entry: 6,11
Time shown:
6,10
